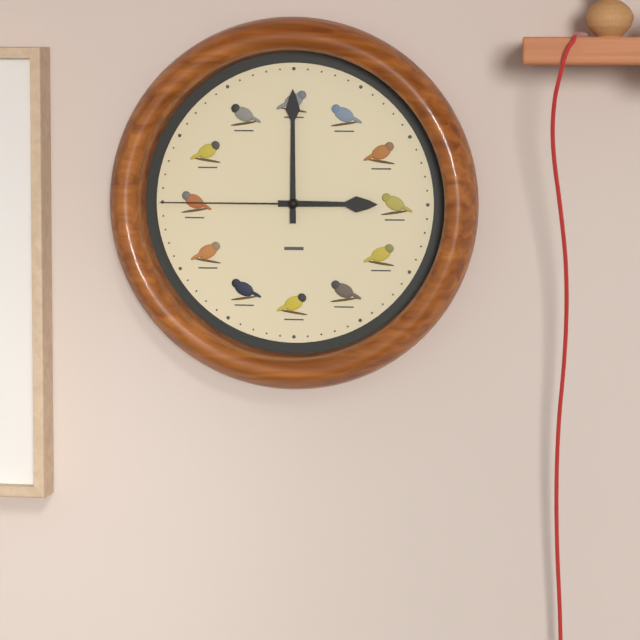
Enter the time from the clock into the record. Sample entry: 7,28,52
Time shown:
3,00,45
